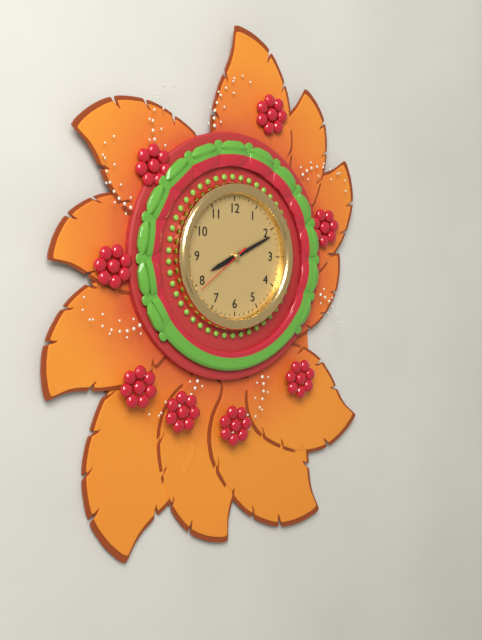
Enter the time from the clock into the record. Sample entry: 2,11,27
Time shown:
8,11,39
